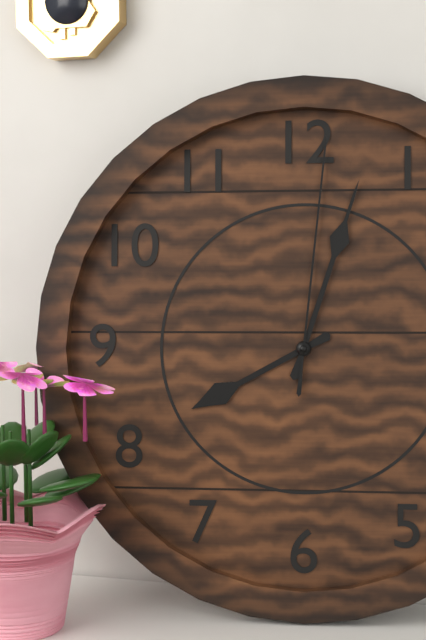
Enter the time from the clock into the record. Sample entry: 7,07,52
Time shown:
8,03,01
